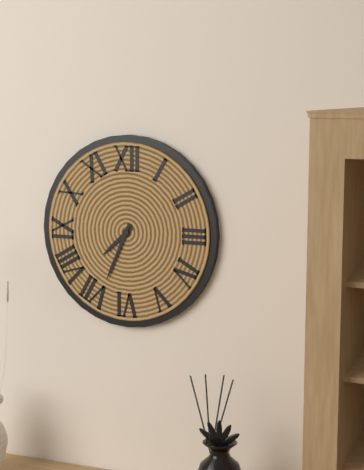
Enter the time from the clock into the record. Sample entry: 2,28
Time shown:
7,34
